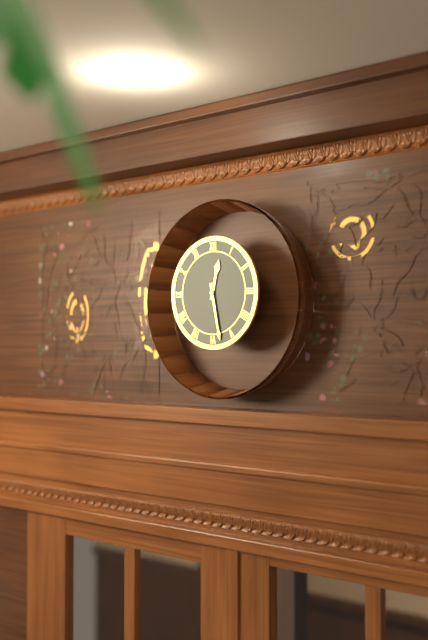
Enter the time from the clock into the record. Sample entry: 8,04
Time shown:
12,28
